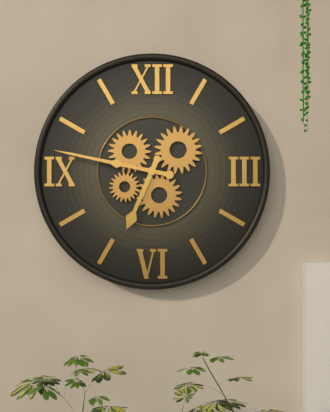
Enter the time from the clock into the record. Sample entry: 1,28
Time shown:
6,47
